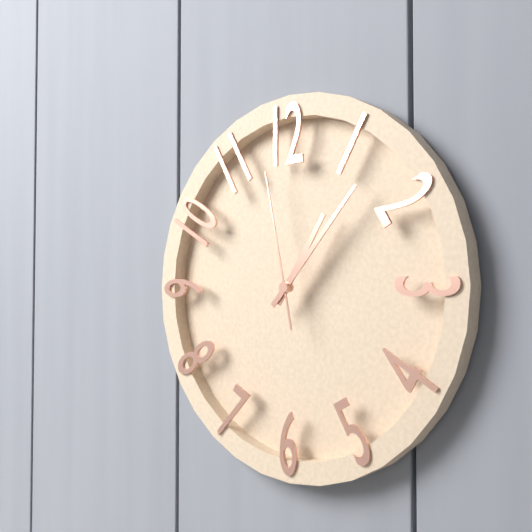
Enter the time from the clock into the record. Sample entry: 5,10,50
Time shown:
1,07,58
